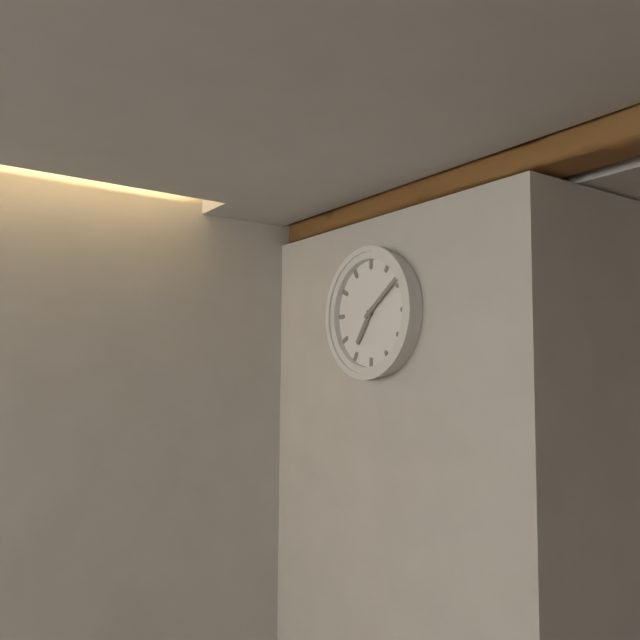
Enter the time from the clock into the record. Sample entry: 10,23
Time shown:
7,09
